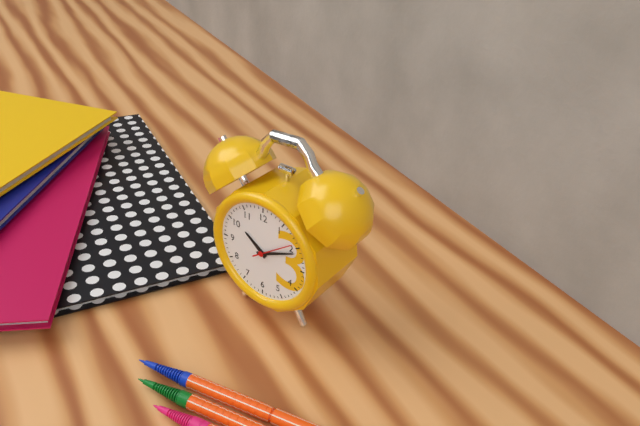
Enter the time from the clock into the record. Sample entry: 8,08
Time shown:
10,11
